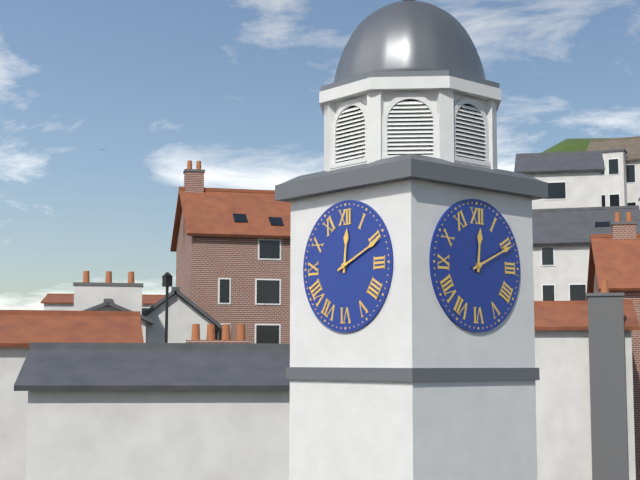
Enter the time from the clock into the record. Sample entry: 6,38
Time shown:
12,11
